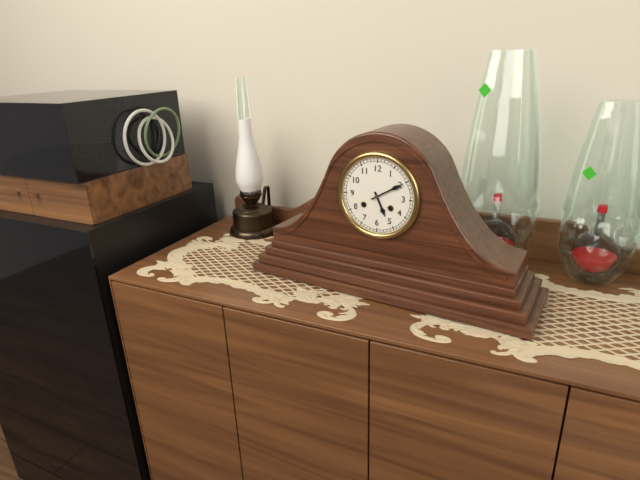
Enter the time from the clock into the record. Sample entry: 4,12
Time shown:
5,10
